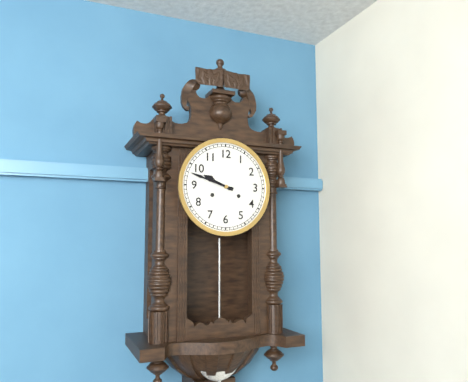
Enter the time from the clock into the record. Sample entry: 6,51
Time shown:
9,48
